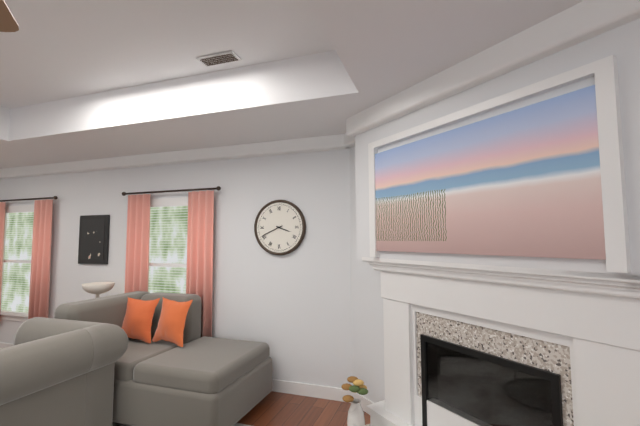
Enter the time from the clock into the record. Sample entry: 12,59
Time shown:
3,41
